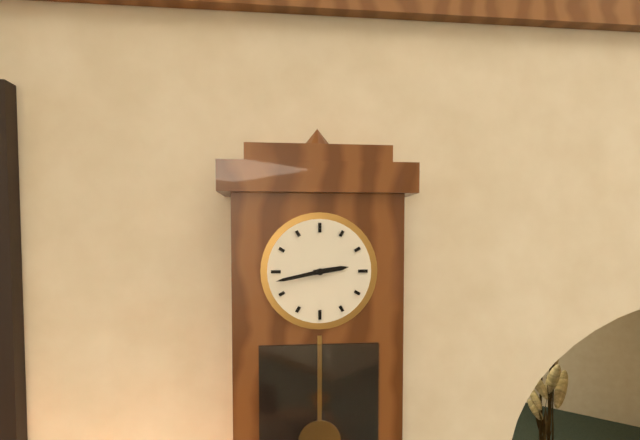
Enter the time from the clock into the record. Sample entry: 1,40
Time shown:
2,43
